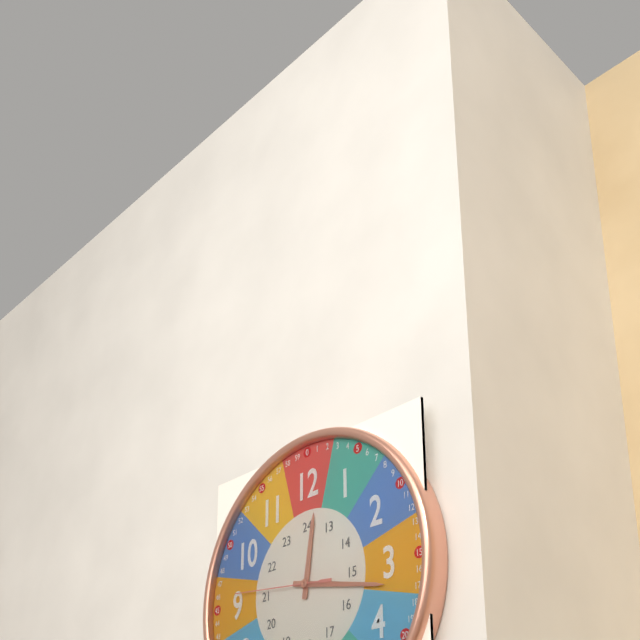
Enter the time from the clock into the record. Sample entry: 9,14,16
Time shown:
12,17,46
